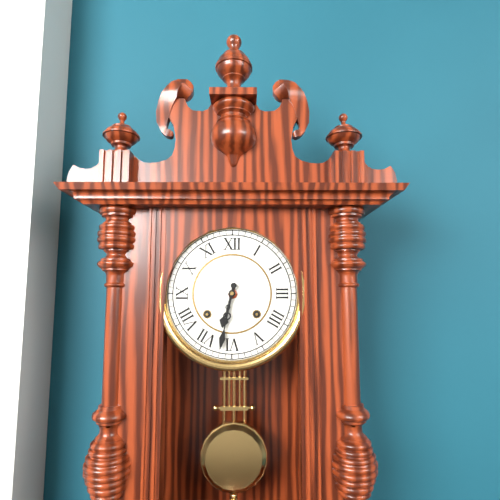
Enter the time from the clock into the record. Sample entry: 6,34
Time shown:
6,32
